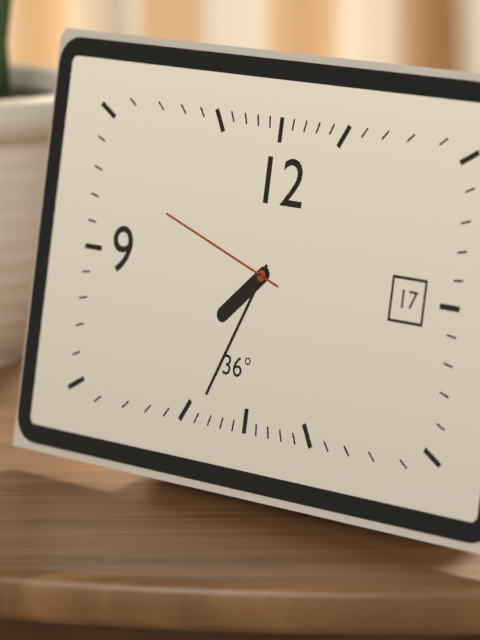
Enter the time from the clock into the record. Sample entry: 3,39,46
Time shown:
7,34,48
